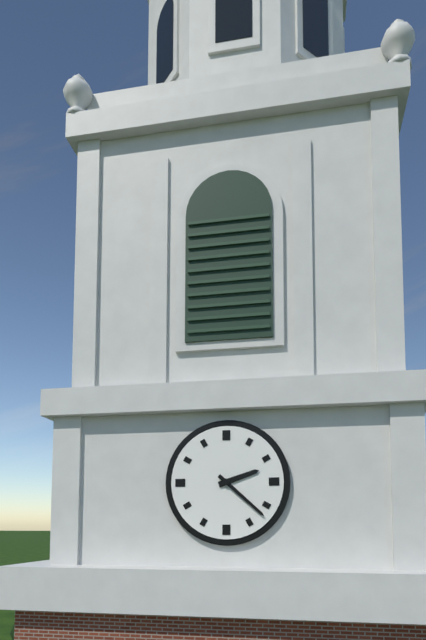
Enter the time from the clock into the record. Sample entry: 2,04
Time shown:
2,22
